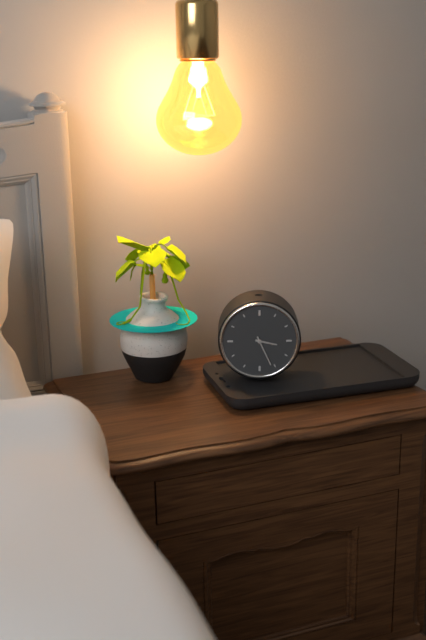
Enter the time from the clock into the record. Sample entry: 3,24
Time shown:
3,26
